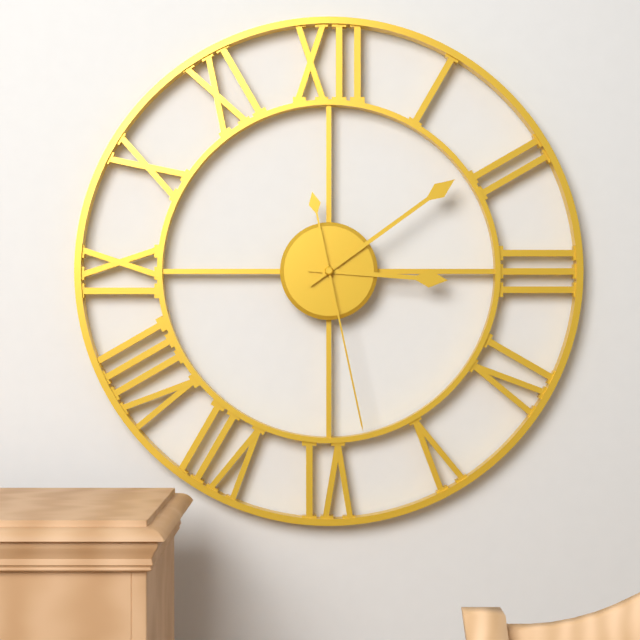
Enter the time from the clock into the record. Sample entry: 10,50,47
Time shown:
3,09,28
